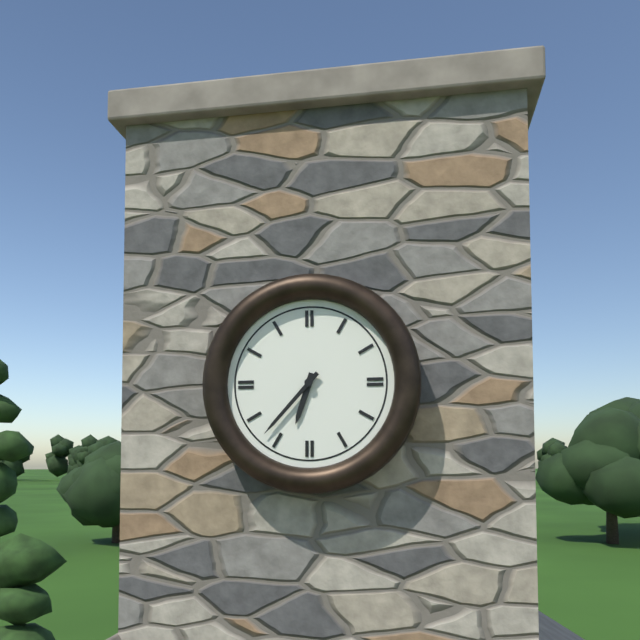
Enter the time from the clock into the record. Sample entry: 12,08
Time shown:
6,37
